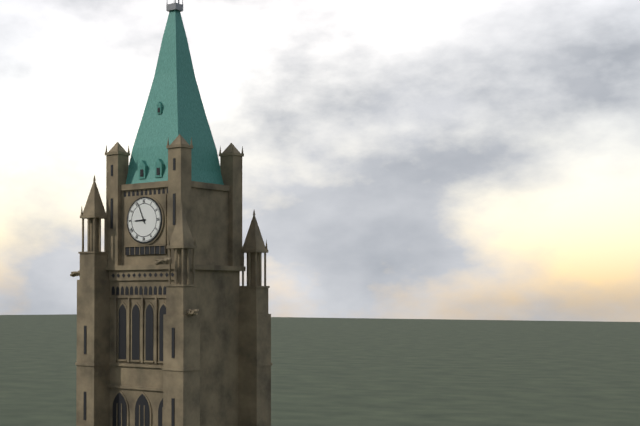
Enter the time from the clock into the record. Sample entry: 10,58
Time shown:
8,56
